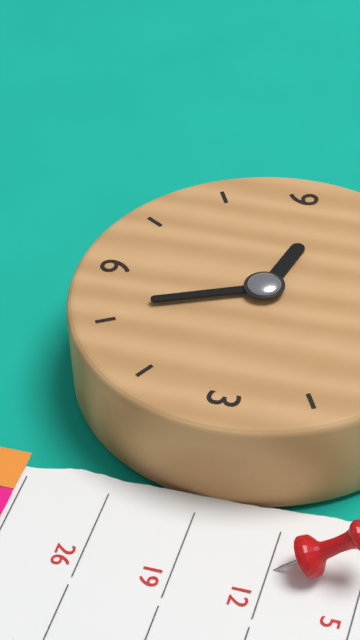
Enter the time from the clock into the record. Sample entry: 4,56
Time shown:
9,26
